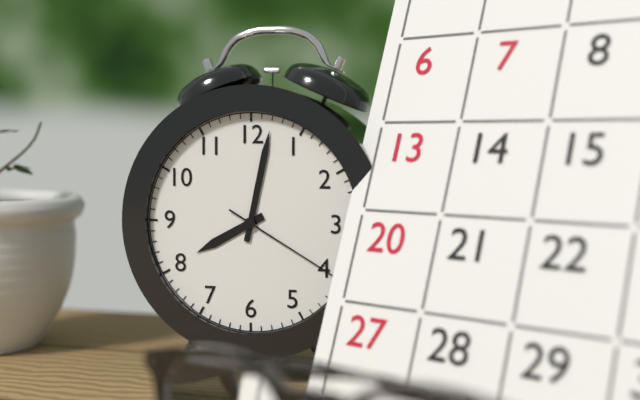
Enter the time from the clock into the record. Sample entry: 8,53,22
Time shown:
8,02,20
